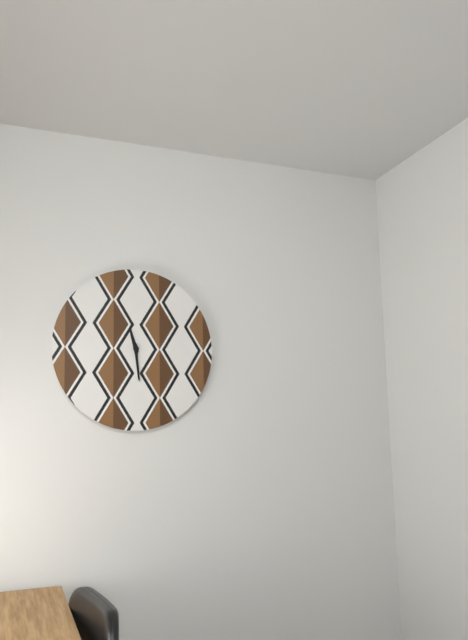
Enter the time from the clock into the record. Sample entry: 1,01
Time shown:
11,29
